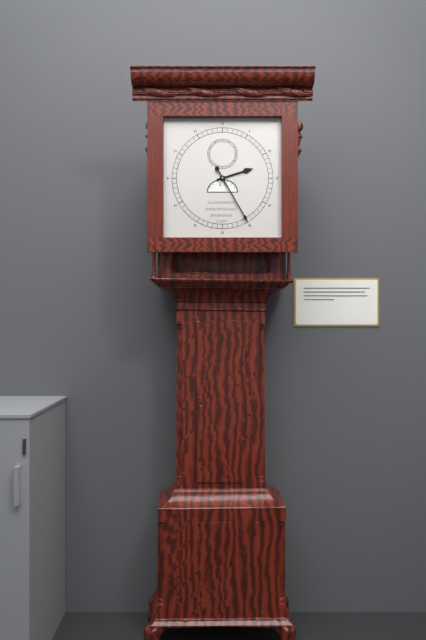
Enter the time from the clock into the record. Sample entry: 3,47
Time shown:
2,25
